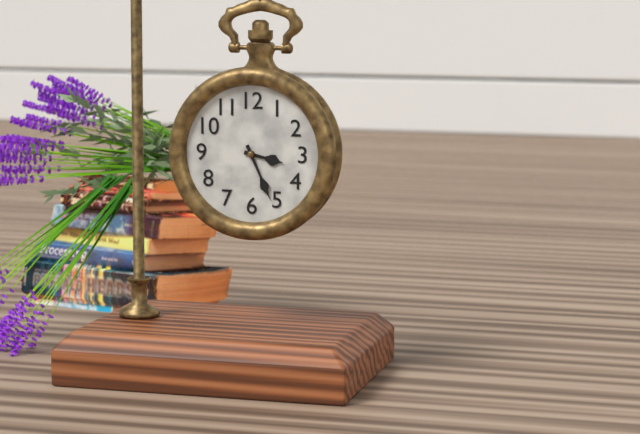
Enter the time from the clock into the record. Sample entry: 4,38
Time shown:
3,26
